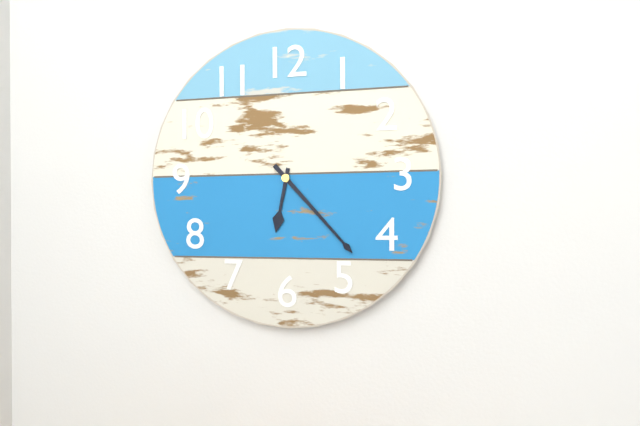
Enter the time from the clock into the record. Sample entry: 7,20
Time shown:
6,23
